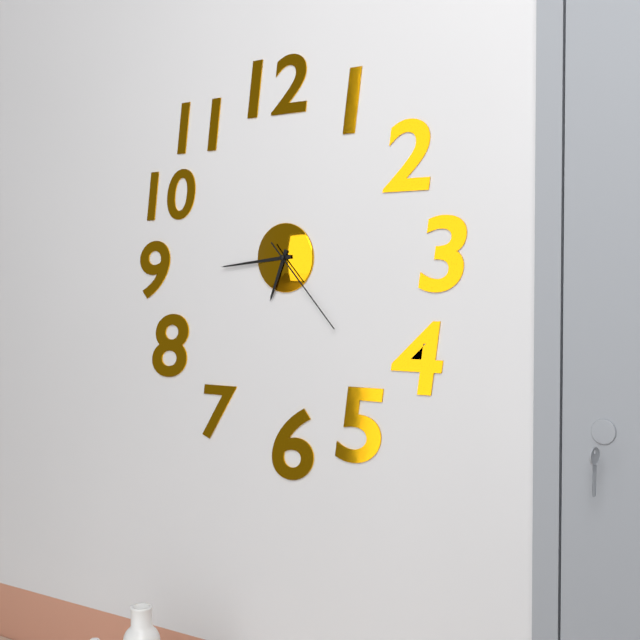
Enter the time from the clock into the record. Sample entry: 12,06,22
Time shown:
6,44,23
